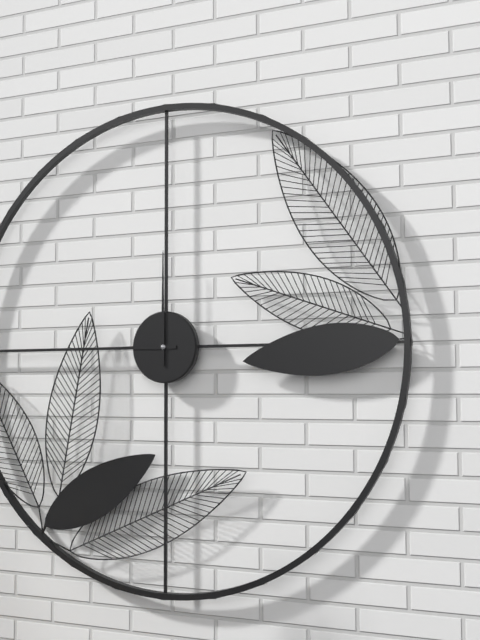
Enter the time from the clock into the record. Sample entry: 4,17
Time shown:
9,00
